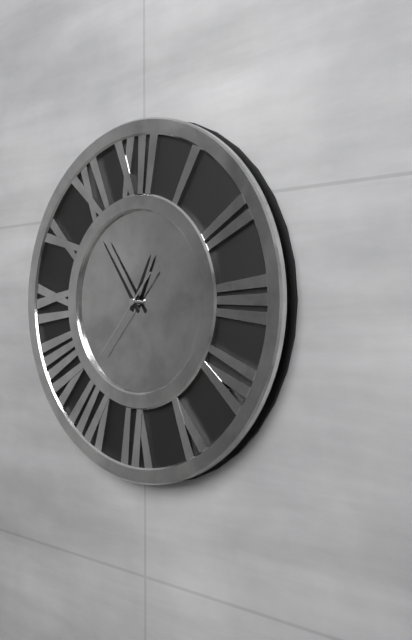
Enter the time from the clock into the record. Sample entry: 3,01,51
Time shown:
12,54,37
